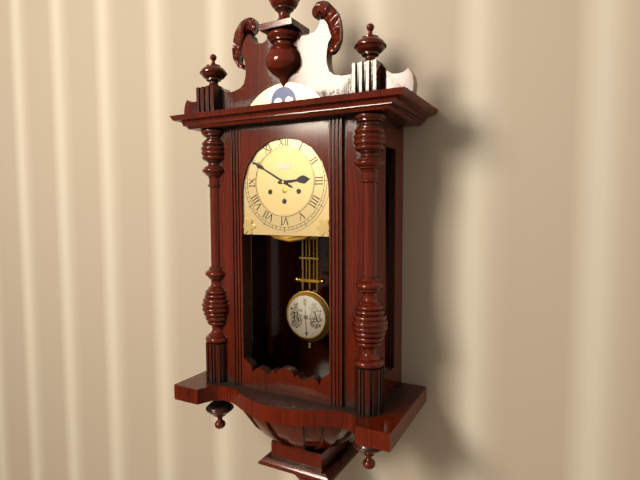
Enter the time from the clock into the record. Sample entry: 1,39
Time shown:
2,50
